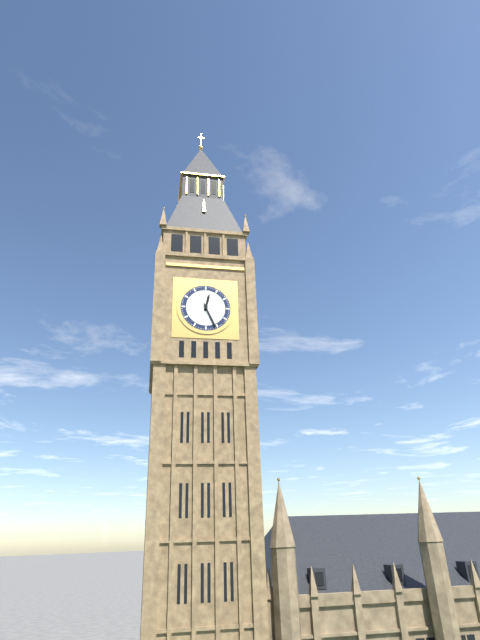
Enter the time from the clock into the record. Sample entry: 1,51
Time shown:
12,26
